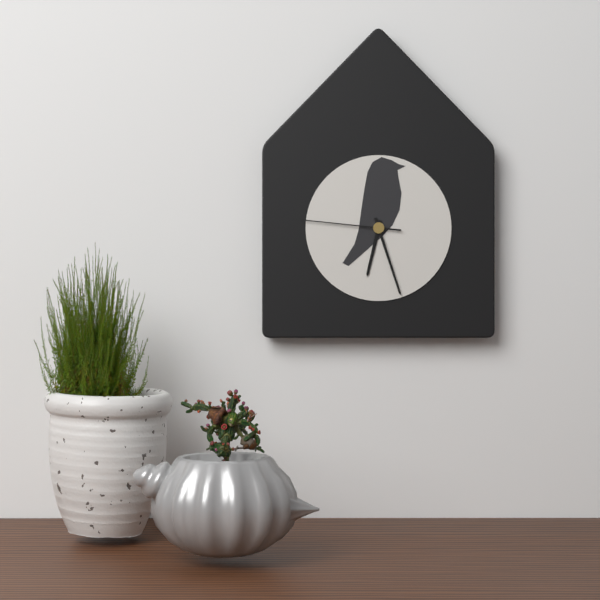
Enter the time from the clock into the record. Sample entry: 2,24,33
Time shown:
6,27,46
